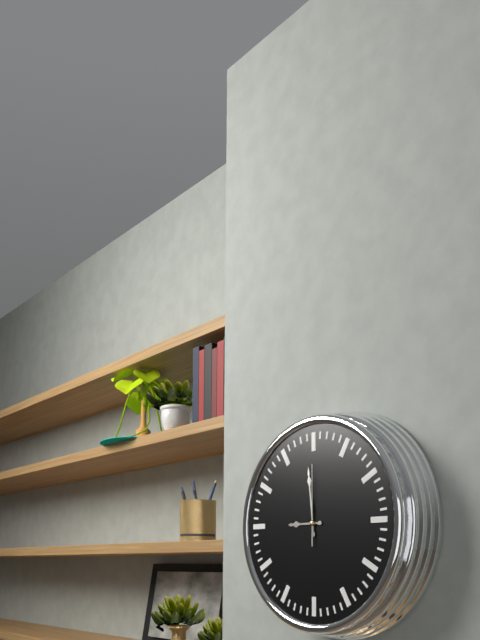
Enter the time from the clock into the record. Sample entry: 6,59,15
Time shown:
8,59,00
